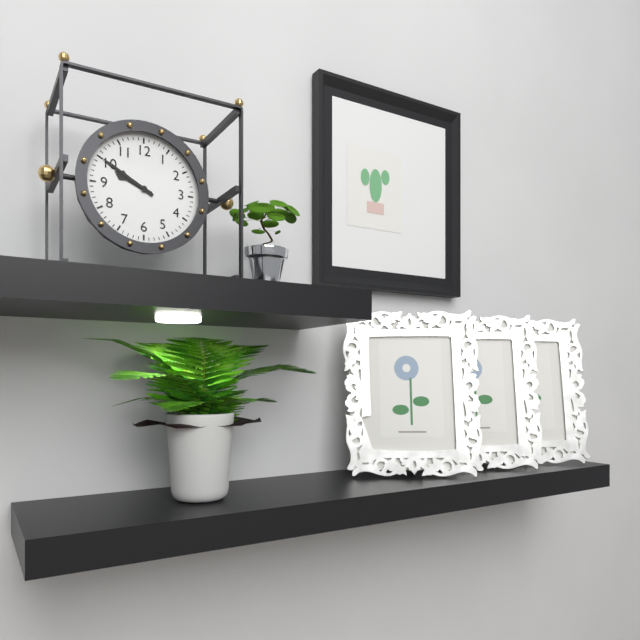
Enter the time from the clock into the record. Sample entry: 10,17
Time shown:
9,50
